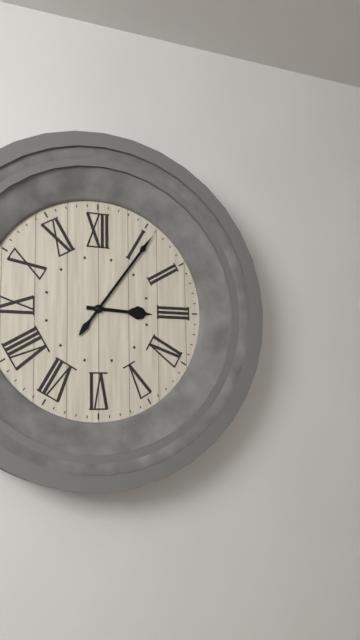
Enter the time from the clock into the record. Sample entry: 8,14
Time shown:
3,06
